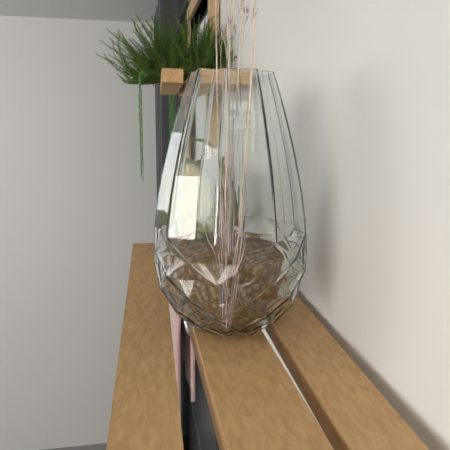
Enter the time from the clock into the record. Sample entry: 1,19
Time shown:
7,14
